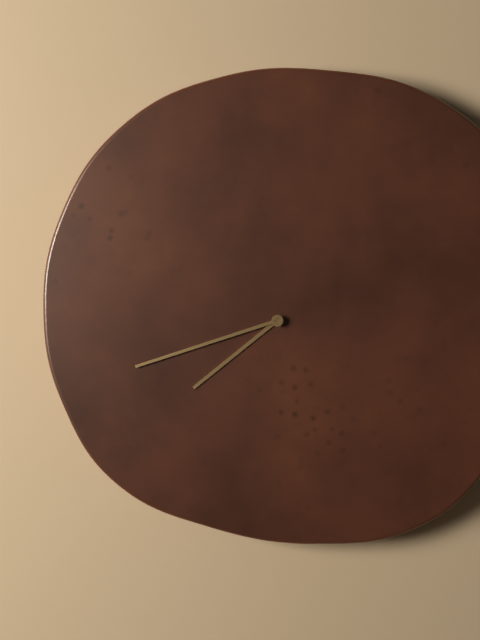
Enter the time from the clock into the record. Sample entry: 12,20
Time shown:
7,42
